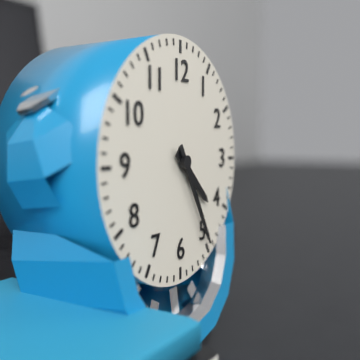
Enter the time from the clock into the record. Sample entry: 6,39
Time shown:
4,25
